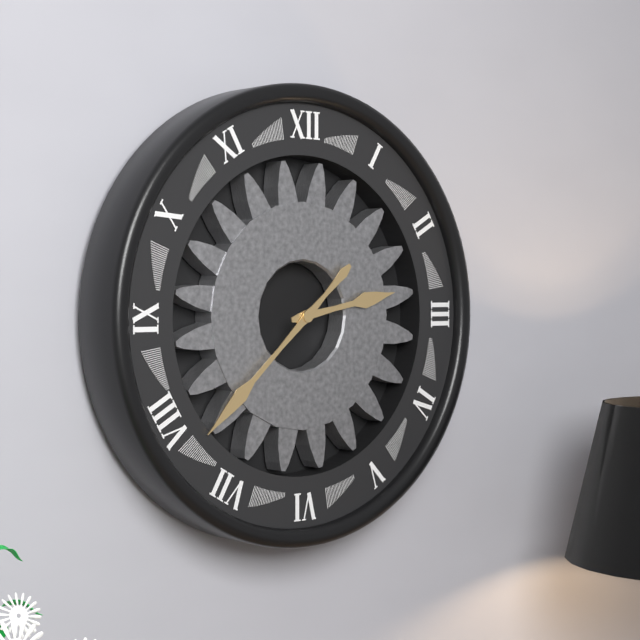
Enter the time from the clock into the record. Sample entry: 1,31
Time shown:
2,38
